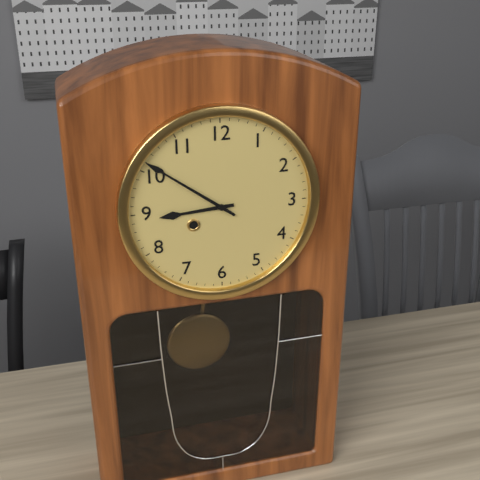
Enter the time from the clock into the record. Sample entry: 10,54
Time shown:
8,51
